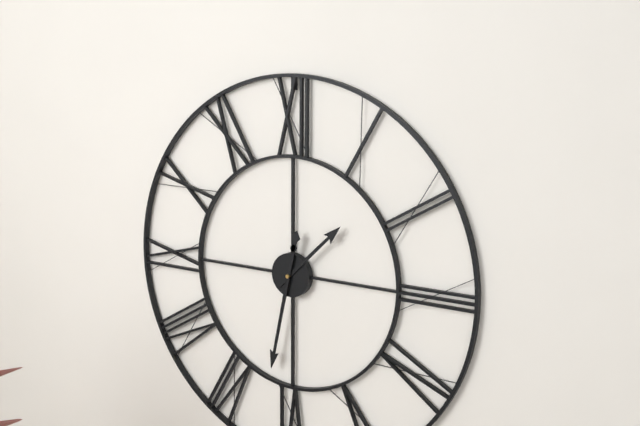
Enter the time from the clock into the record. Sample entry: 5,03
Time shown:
1,32
